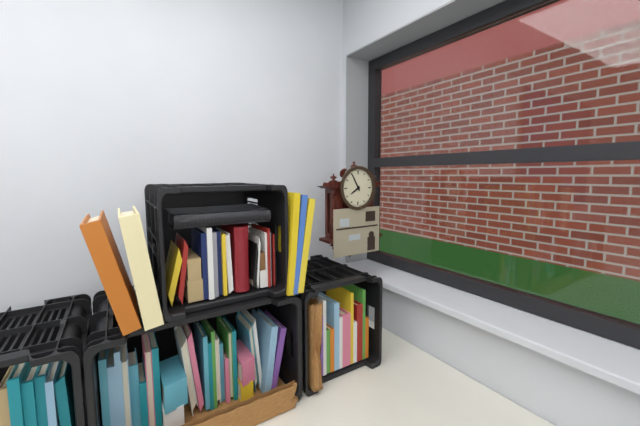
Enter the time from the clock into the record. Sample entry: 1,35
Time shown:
7,55
